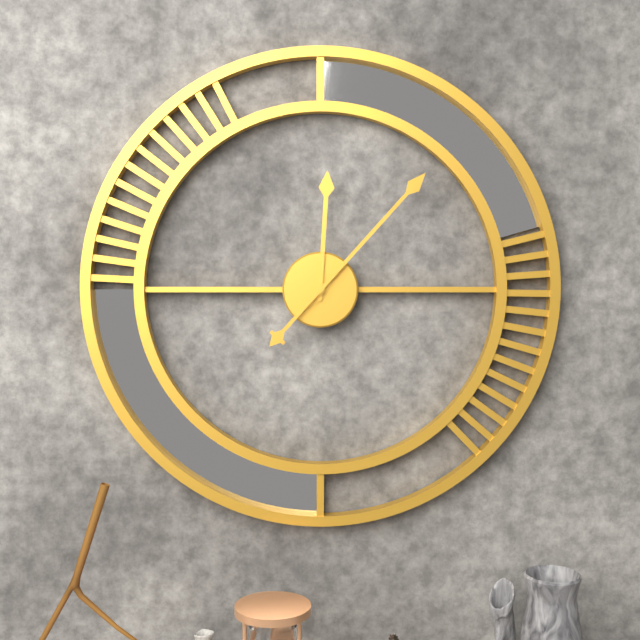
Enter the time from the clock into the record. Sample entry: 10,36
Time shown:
12,07
